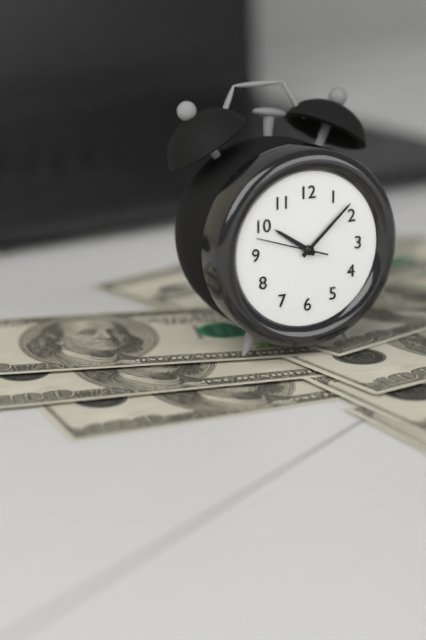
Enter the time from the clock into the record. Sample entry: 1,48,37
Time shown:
10,08,48
